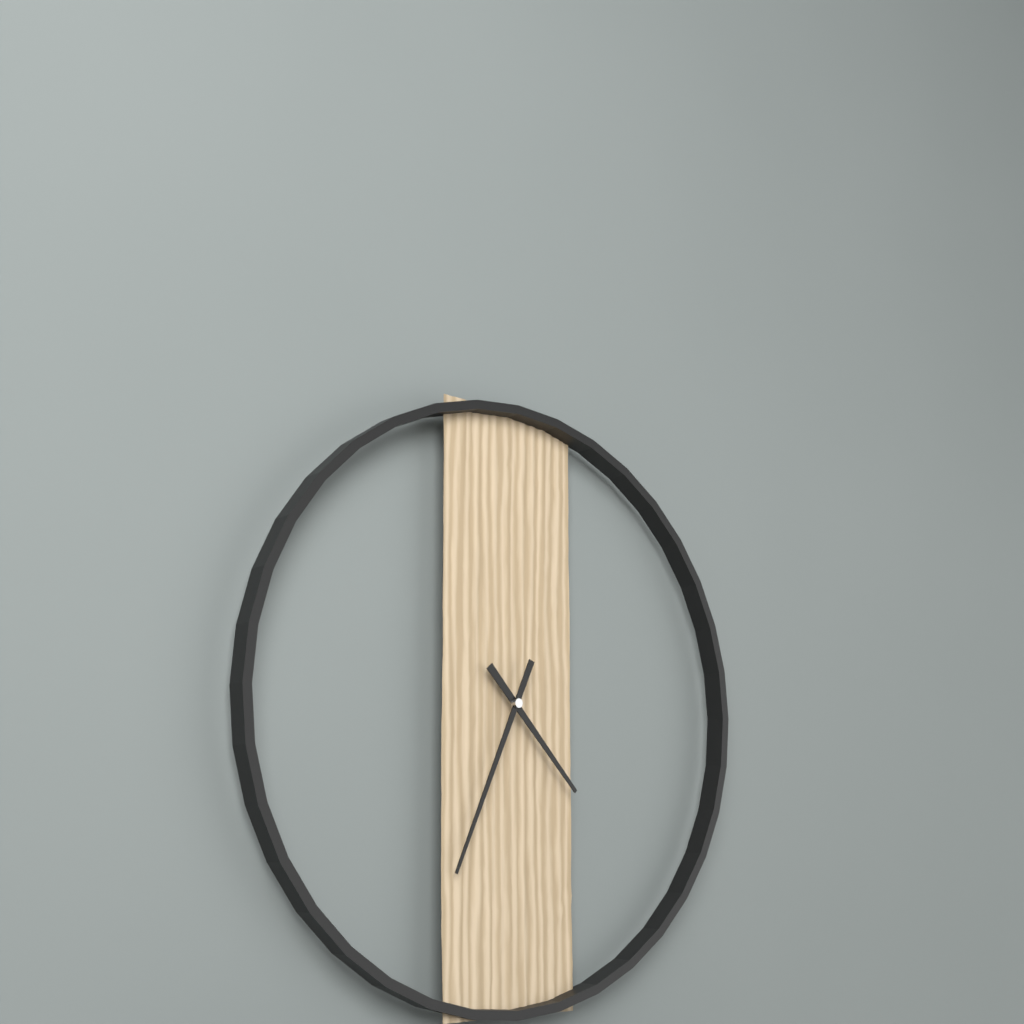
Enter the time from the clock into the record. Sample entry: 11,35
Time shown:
4,34
